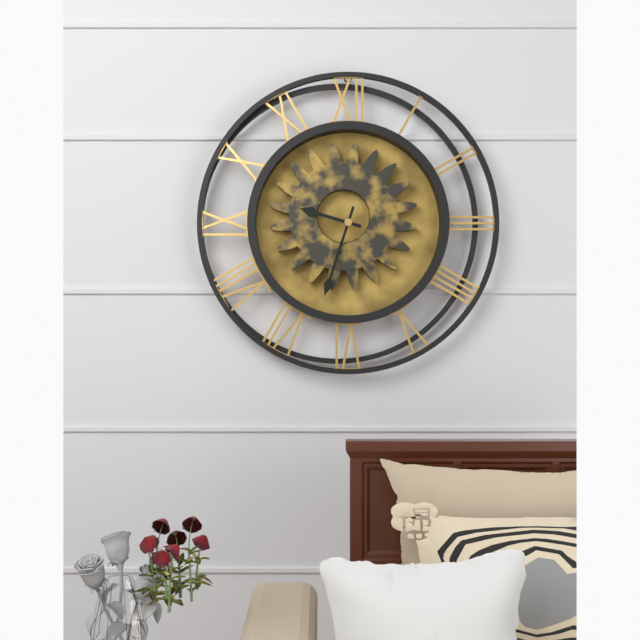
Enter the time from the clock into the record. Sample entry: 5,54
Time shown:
9,33
